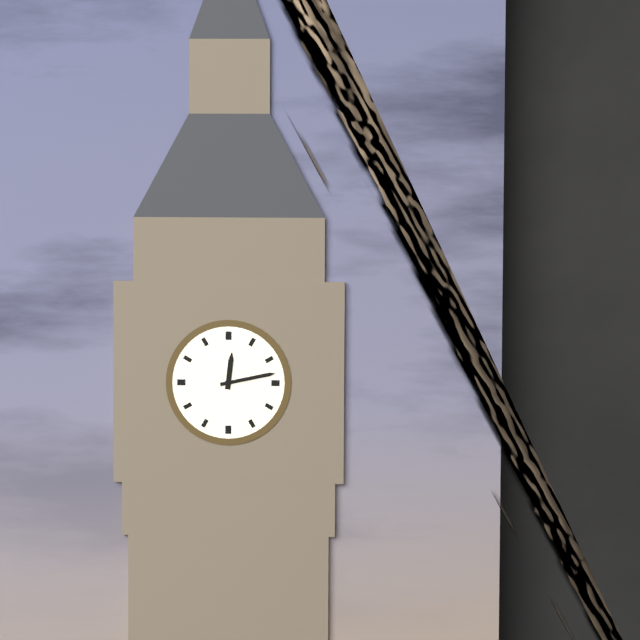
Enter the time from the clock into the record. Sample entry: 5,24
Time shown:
12,13
